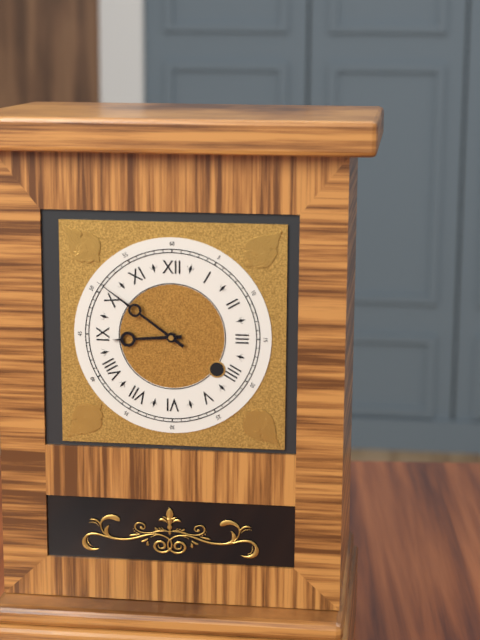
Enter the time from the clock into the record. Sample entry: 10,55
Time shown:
8,51
